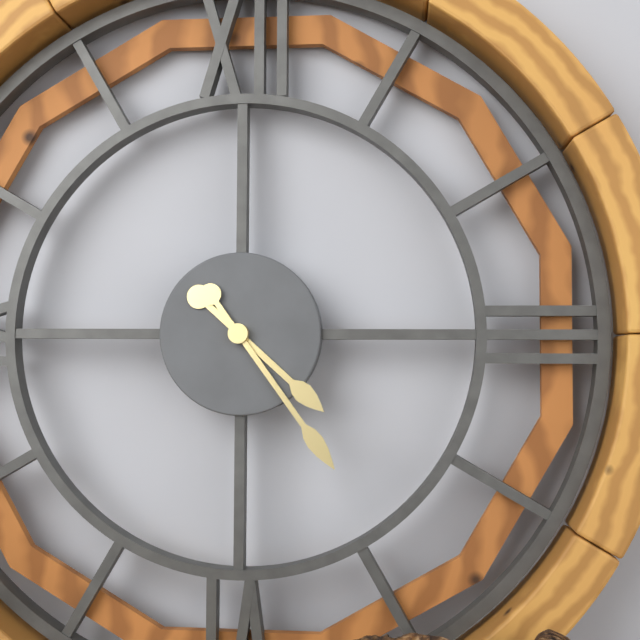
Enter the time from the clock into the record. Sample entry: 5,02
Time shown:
4,24
